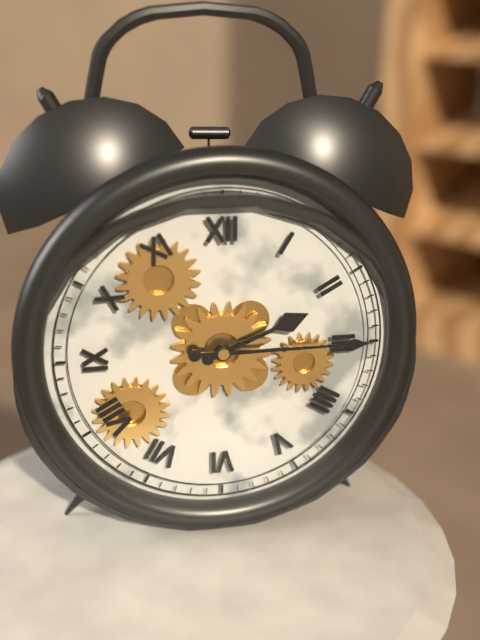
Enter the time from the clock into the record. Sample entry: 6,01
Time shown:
2,15
